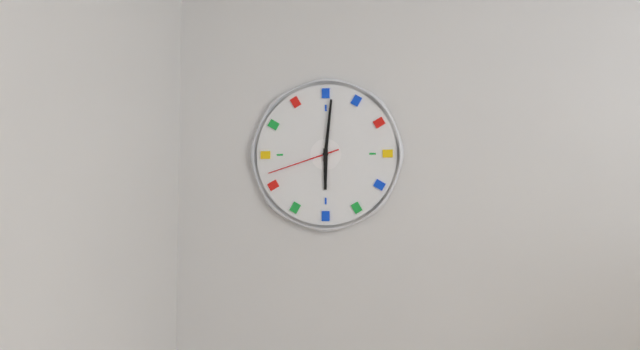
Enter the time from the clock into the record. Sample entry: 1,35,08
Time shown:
6,01,42
